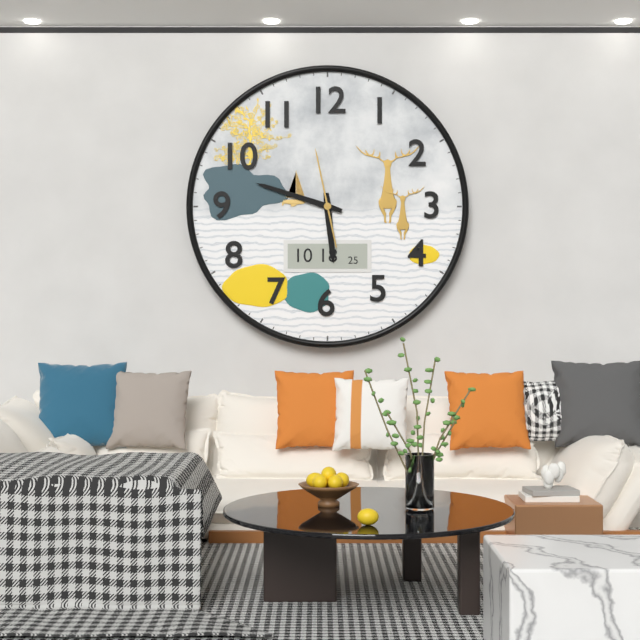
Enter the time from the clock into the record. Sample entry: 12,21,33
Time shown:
5,48,58
